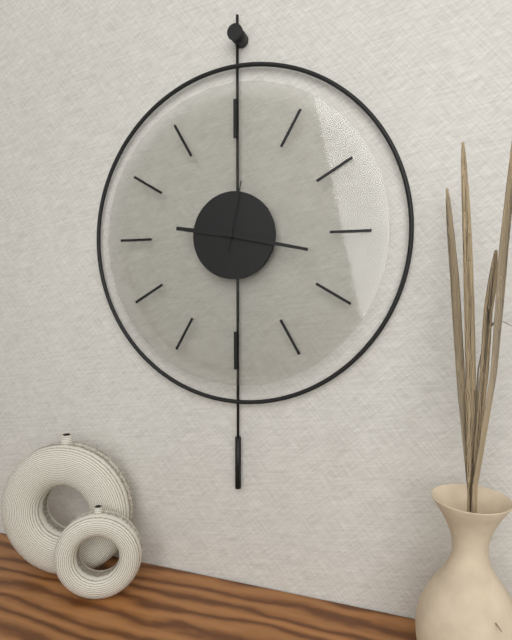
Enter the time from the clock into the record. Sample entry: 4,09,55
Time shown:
9,17,02
